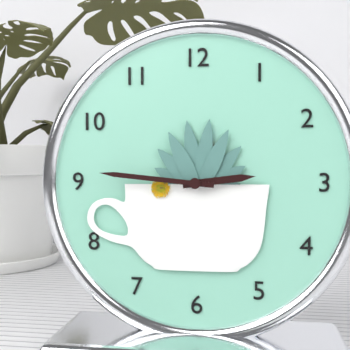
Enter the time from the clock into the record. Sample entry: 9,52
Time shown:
2,46
